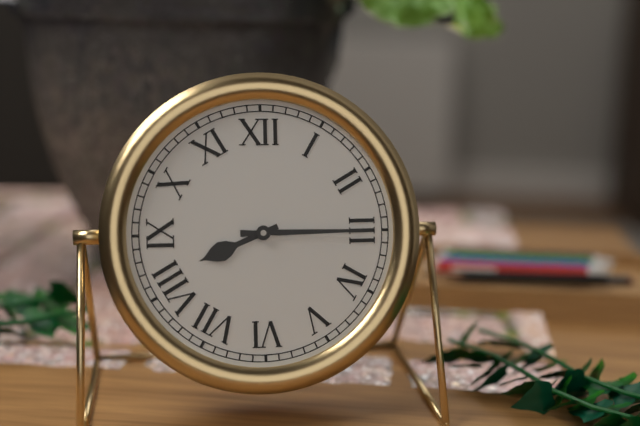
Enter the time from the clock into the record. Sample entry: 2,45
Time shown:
8,15
